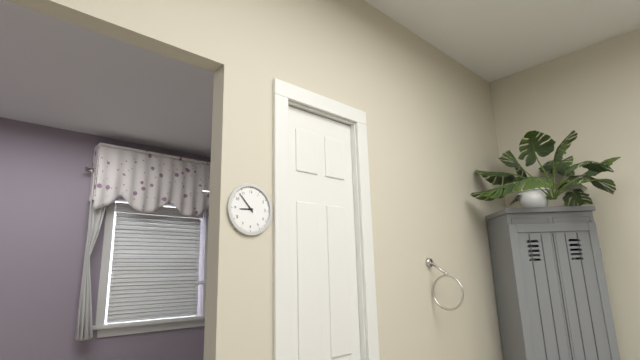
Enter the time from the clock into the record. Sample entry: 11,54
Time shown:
8,53
